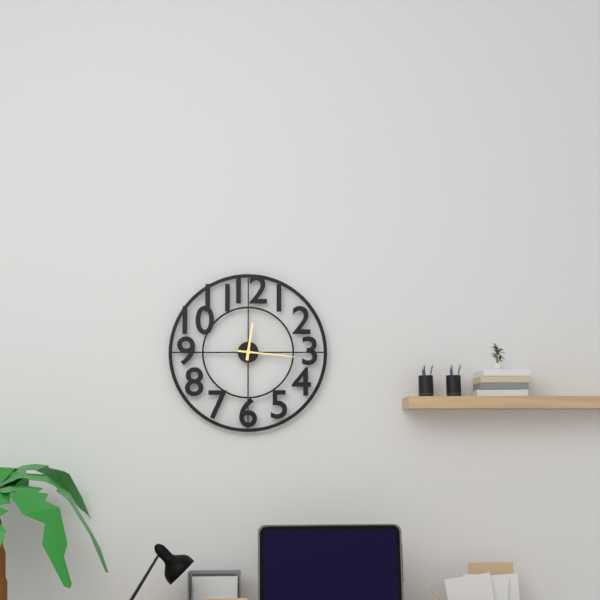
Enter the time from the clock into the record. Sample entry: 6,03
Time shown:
12,16
